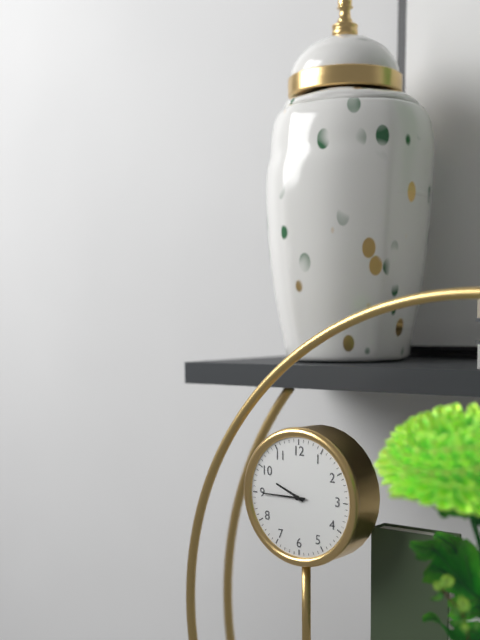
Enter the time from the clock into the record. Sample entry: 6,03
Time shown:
9,45
